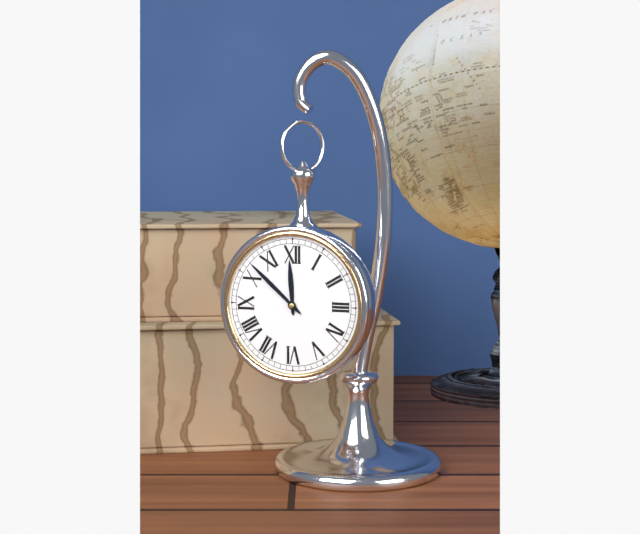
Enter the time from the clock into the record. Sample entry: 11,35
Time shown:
11,52
